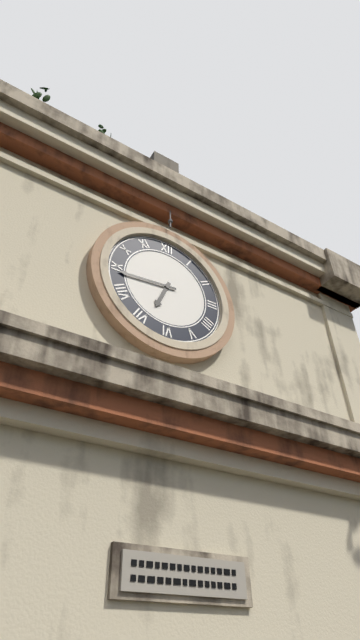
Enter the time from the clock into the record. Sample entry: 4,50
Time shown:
6,44
